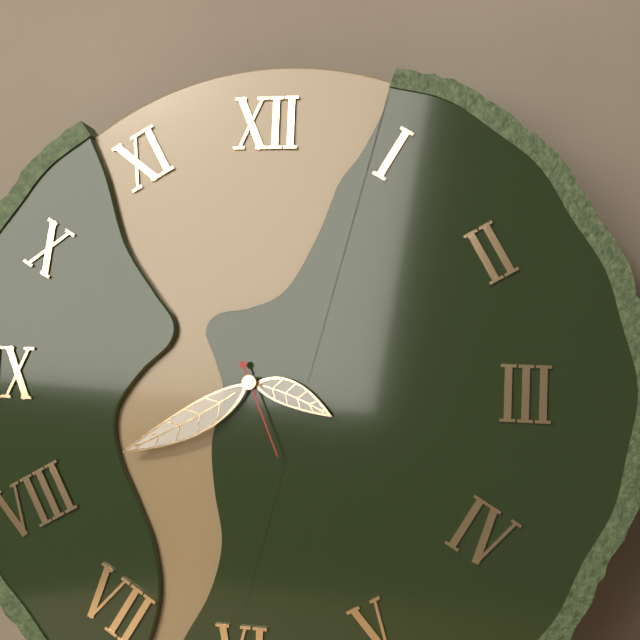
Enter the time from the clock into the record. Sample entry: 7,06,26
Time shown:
3,40,26
